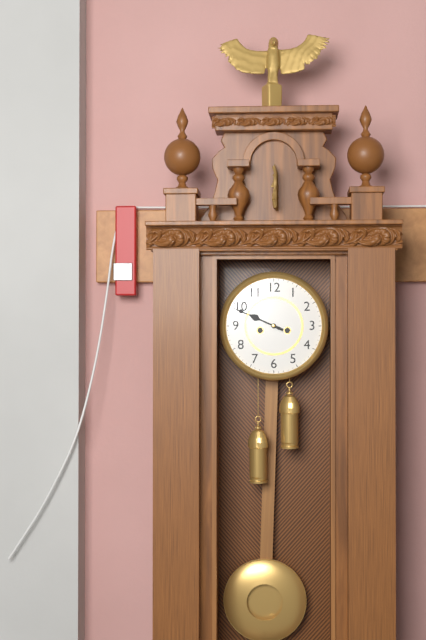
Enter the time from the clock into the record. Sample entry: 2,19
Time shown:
9,49
